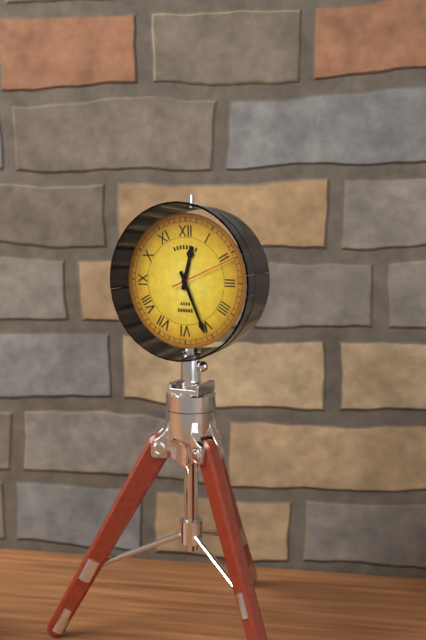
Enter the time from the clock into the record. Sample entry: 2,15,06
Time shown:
12,26,11
